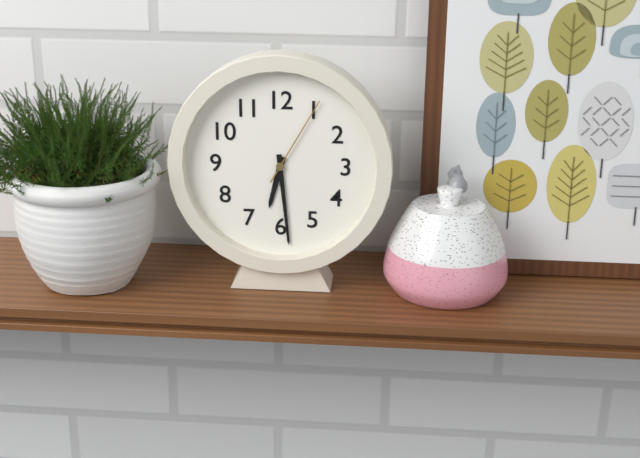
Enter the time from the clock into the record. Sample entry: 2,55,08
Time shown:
6,29,05
